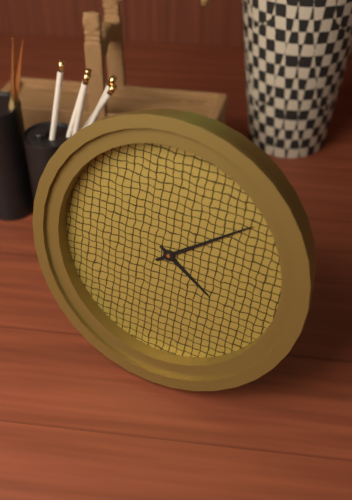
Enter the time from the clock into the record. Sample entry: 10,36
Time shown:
4,09
